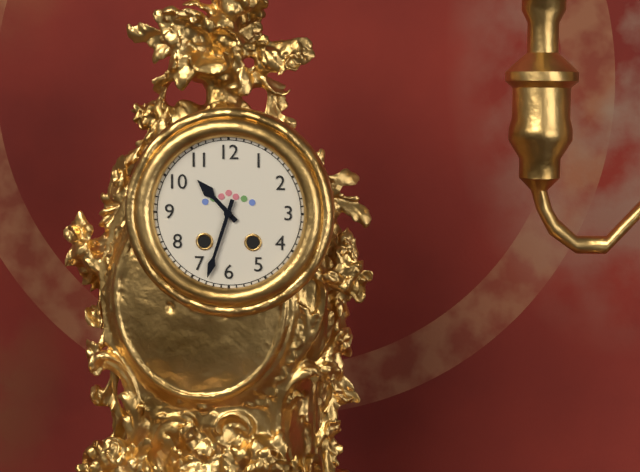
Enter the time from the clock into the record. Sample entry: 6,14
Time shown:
10,33
